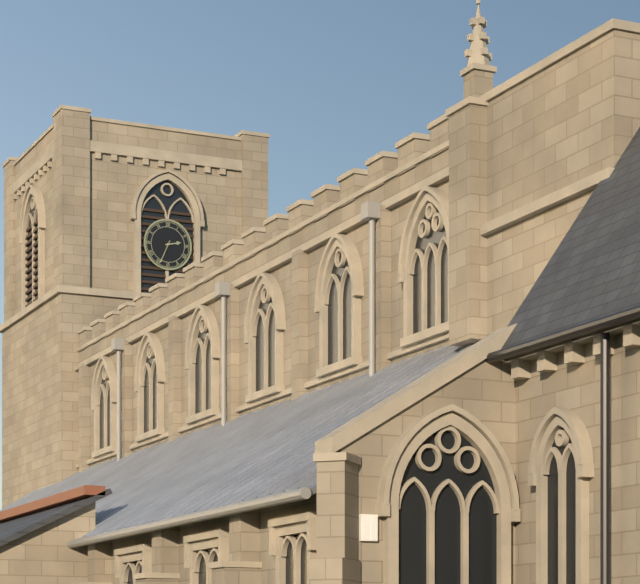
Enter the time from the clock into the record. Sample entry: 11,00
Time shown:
2,34
